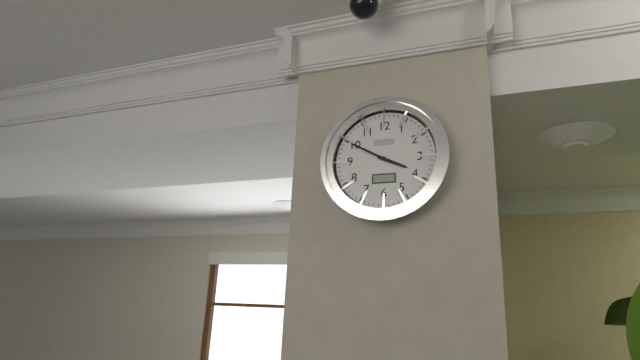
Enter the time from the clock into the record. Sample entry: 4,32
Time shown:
3,50
